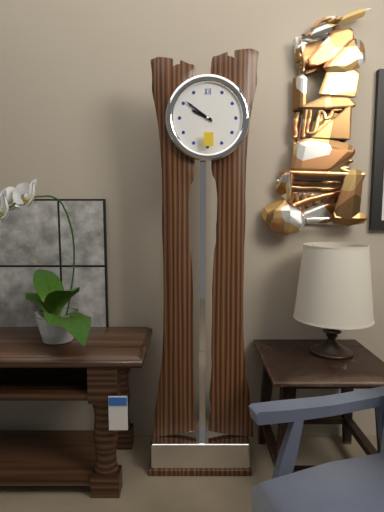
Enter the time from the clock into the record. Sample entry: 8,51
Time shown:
9,51
